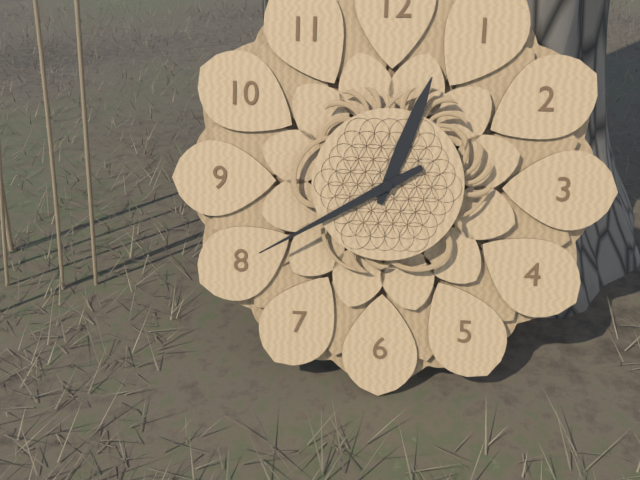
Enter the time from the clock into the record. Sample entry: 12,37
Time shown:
12,40
